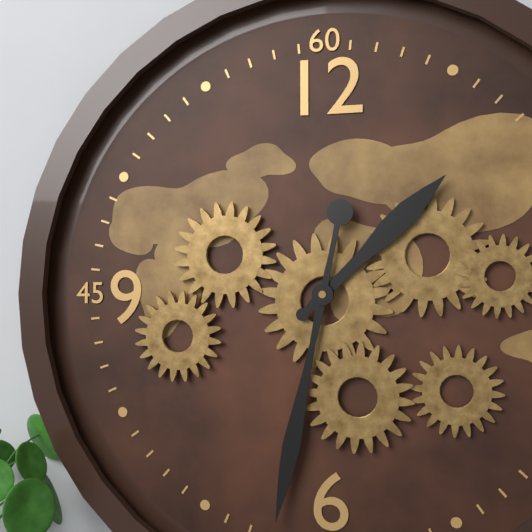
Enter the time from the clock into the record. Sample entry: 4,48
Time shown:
1,32
